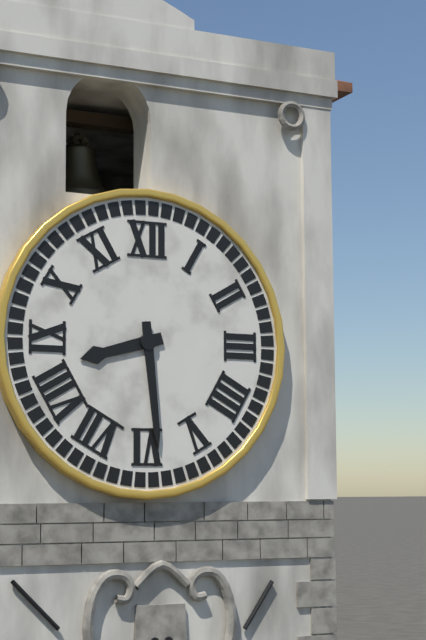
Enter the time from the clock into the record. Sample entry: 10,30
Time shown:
8,29
